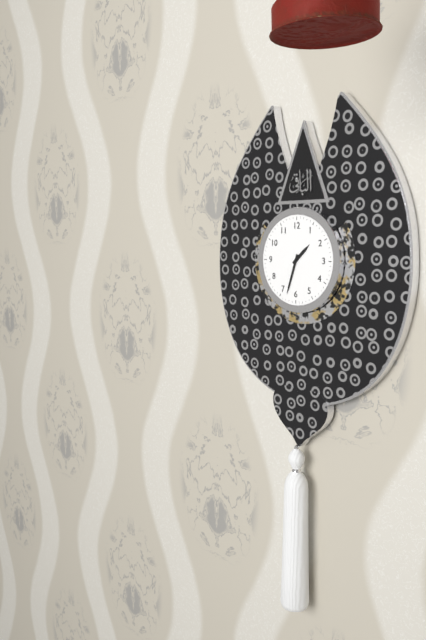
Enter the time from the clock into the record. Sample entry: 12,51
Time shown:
1,33
